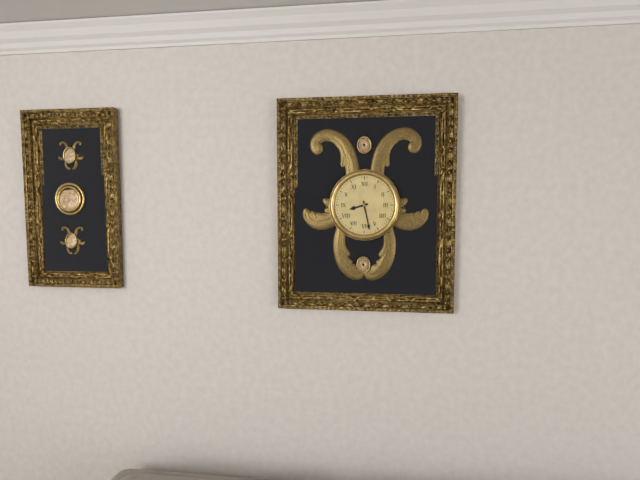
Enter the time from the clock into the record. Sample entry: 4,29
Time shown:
8,28
